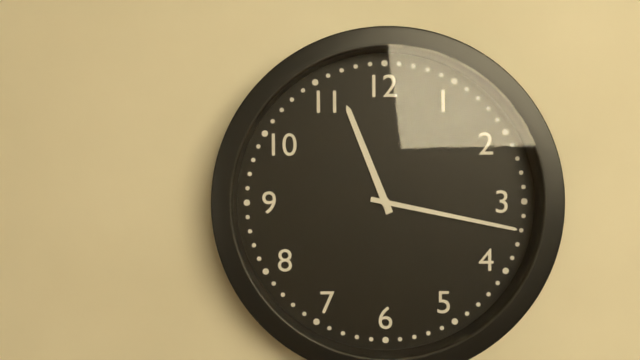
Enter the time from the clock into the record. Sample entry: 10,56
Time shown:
11,17
